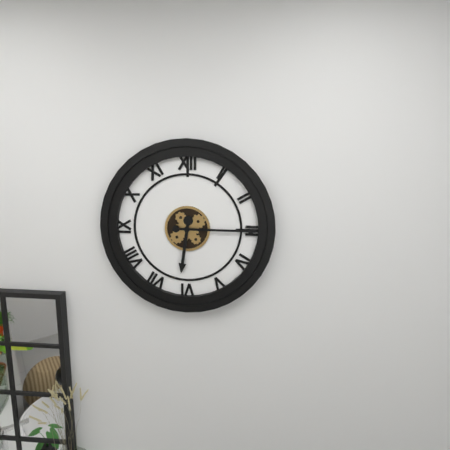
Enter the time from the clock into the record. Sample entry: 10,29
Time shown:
6,15
